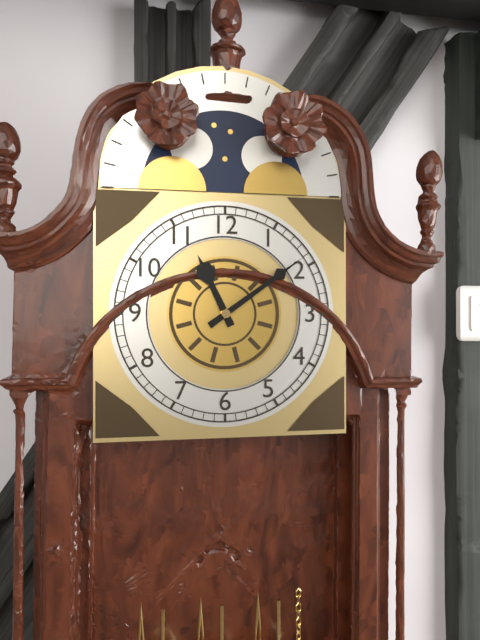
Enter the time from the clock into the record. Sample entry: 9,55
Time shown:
11,09
